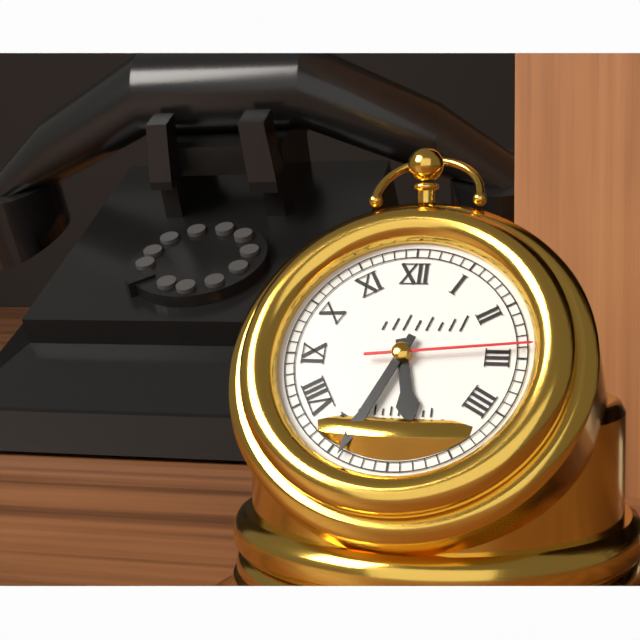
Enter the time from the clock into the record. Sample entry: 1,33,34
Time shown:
5,34,14
